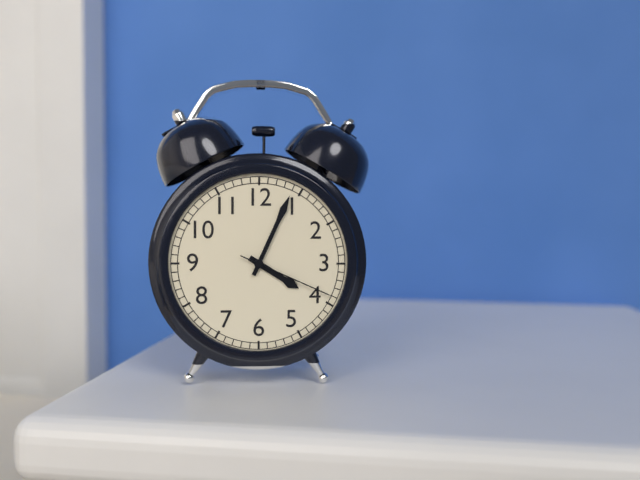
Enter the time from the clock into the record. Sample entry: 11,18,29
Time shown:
4,04,19
